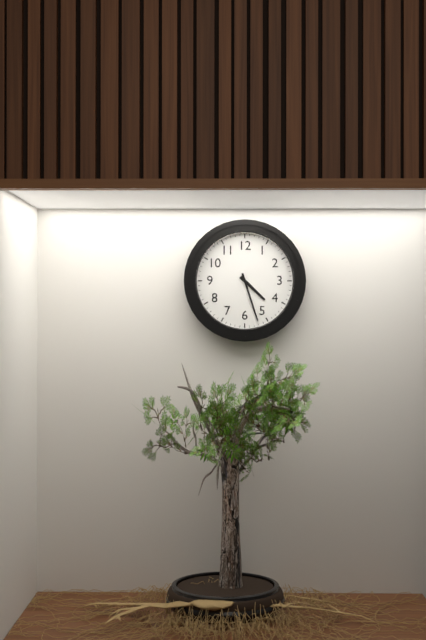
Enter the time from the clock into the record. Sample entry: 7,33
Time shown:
4,27
